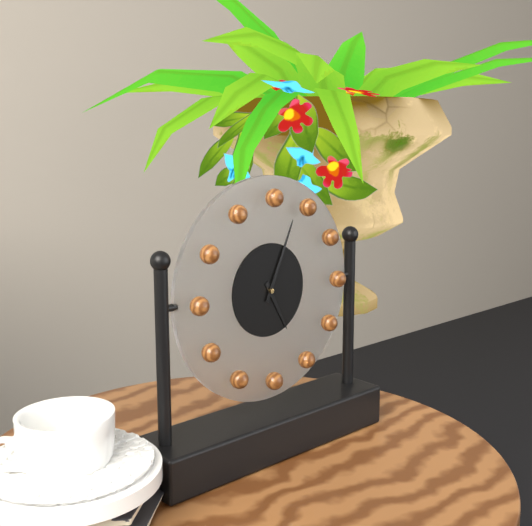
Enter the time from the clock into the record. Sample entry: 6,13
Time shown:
5,04
